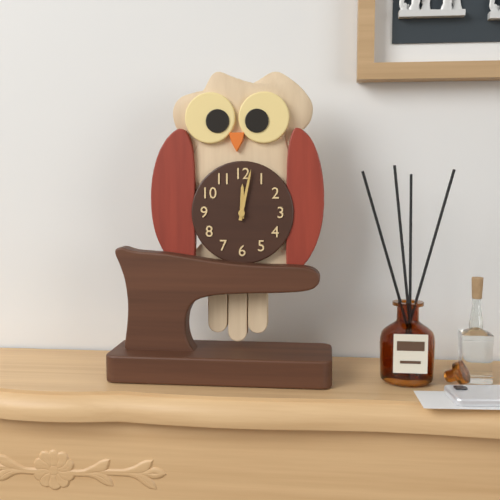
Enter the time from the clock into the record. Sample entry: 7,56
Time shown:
12,02
